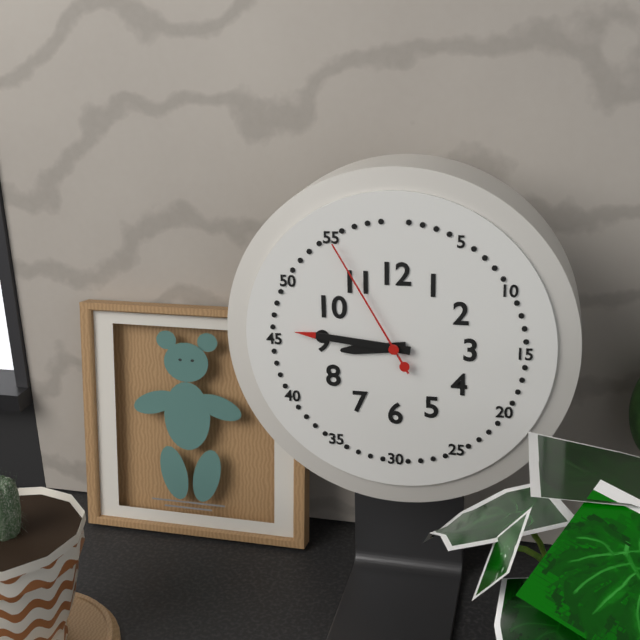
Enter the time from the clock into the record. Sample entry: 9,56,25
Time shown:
8,46,55
